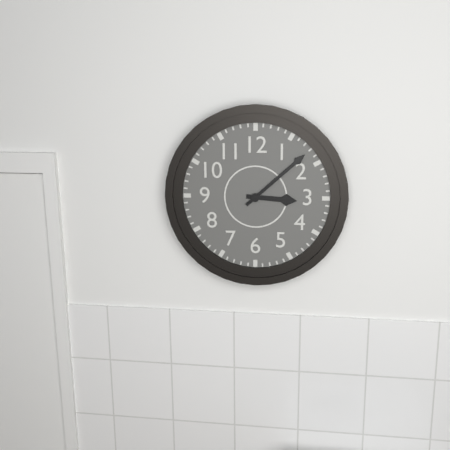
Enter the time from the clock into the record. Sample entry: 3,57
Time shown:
3,08
